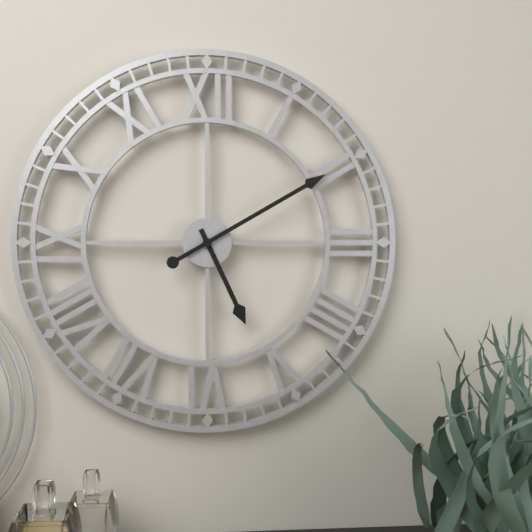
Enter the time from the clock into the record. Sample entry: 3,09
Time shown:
5,10
